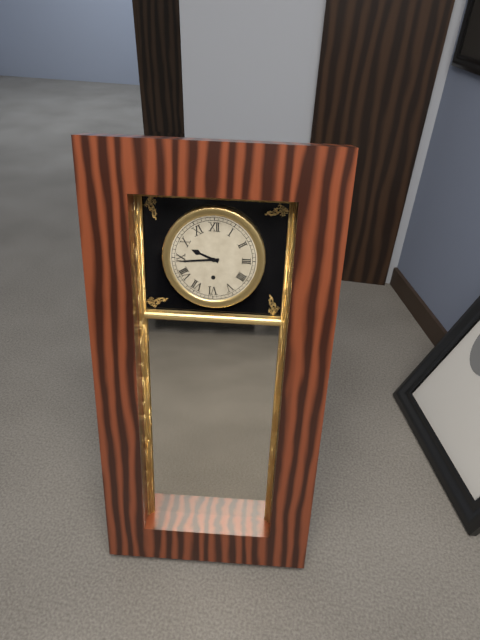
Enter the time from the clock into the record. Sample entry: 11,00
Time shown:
9,44
